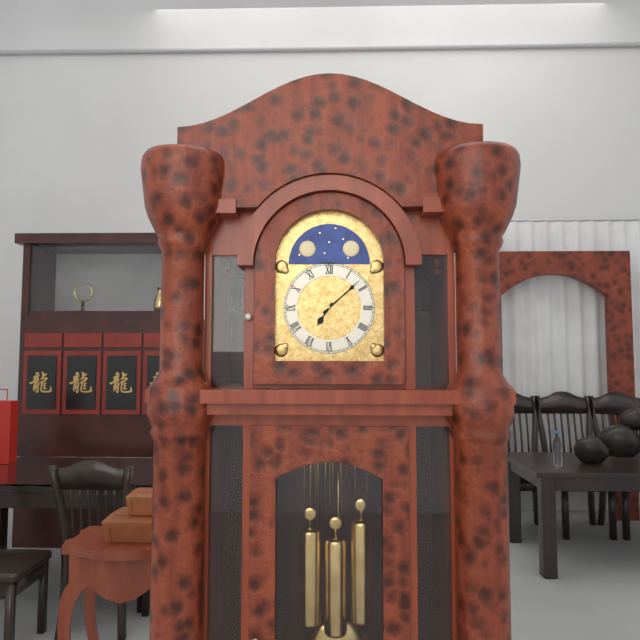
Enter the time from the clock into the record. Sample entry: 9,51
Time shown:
7,08
